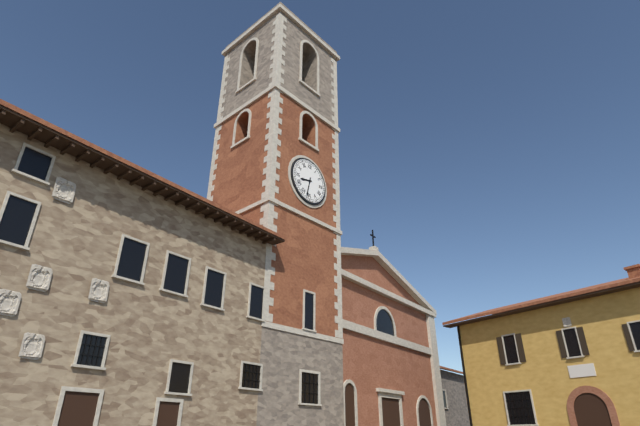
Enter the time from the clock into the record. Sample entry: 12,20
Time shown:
8,32
